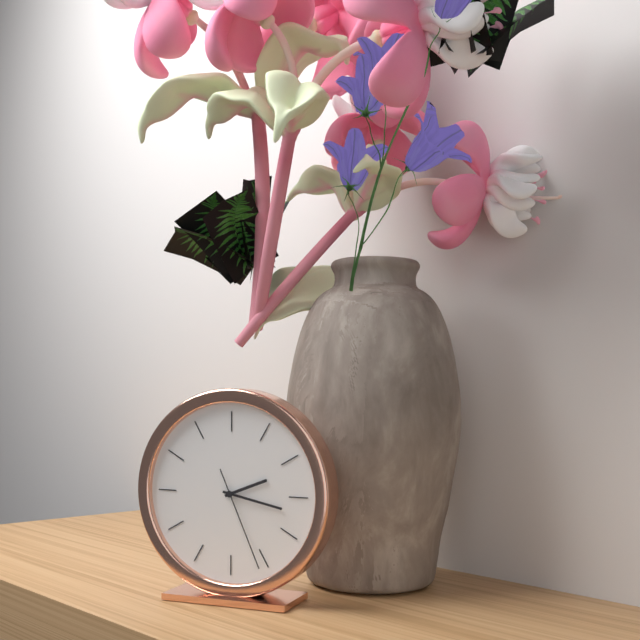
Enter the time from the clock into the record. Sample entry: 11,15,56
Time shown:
2,17,26
